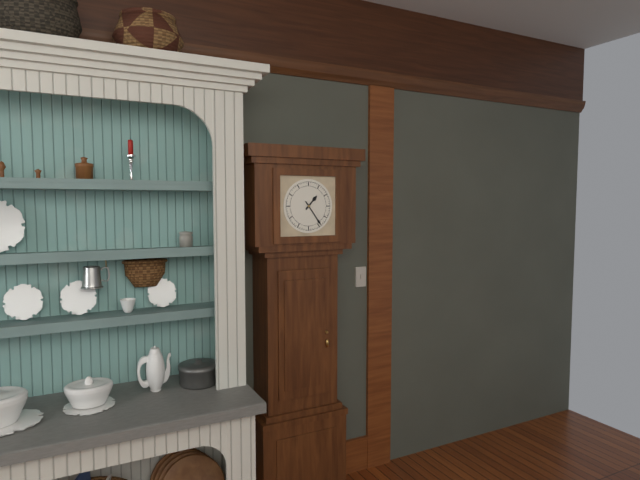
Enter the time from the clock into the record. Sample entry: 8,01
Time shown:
1,24
